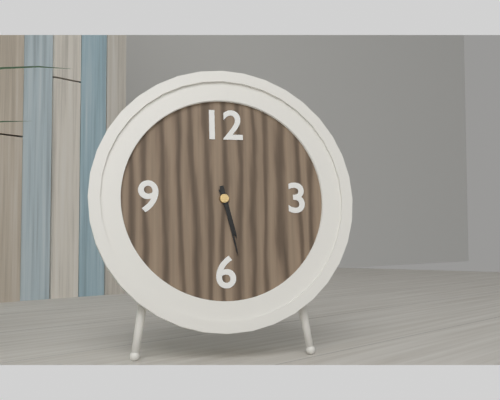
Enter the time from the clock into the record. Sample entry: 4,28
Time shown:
5,28
